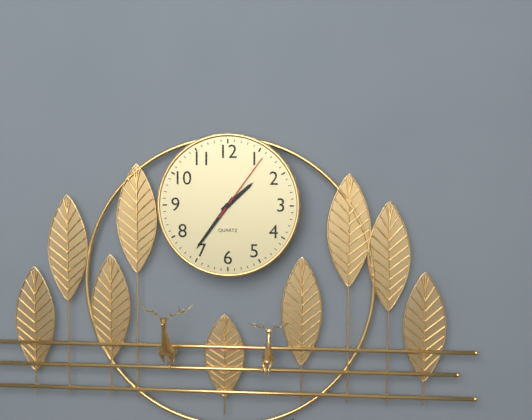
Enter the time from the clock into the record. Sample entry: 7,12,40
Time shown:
1,36,06
